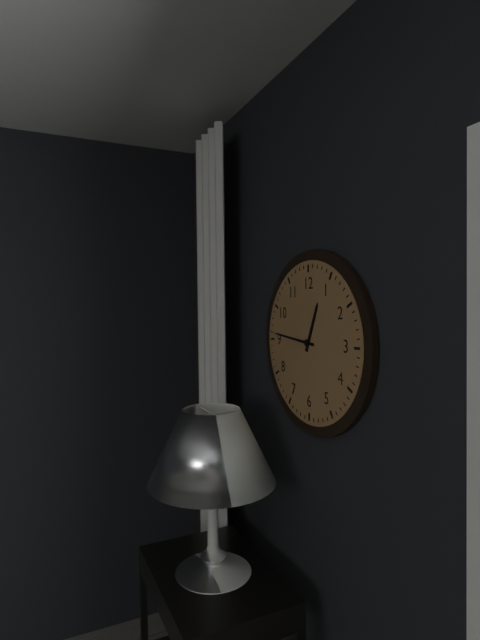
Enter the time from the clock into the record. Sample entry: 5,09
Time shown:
12,46
